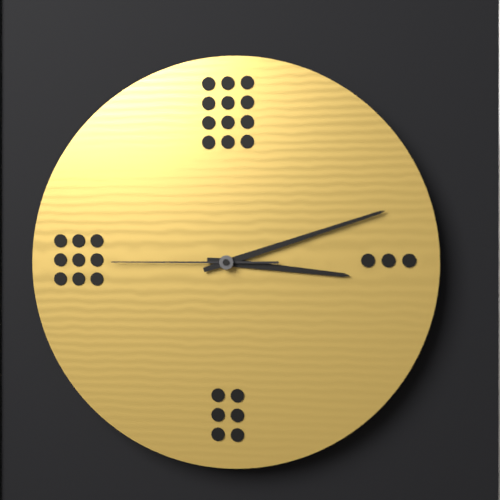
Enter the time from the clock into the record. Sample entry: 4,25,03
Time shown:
3,12,45
